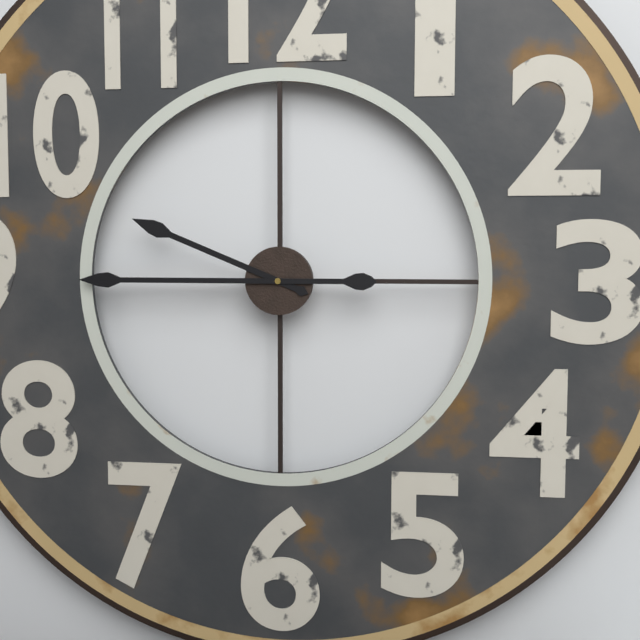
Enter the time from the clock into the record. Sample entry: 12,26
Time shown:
9,45
